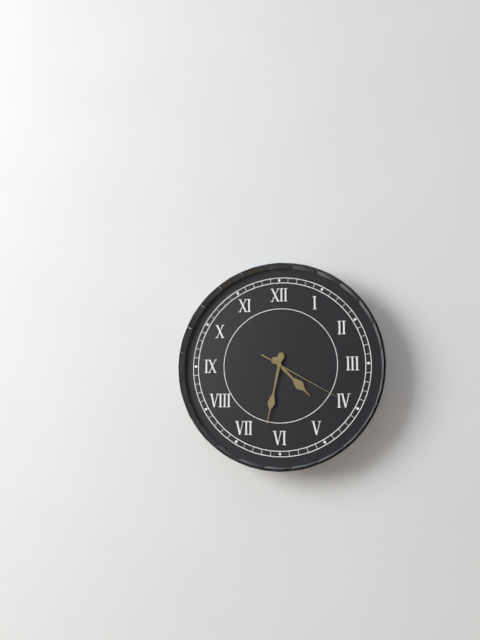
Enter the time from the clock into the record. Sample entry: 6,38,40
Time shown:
4,32,20
